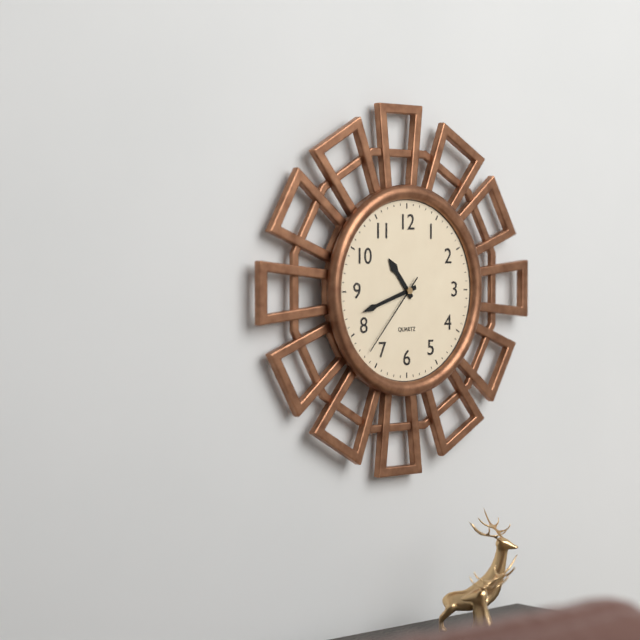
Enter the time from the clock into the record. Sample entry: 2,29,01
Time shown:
10,42,37
